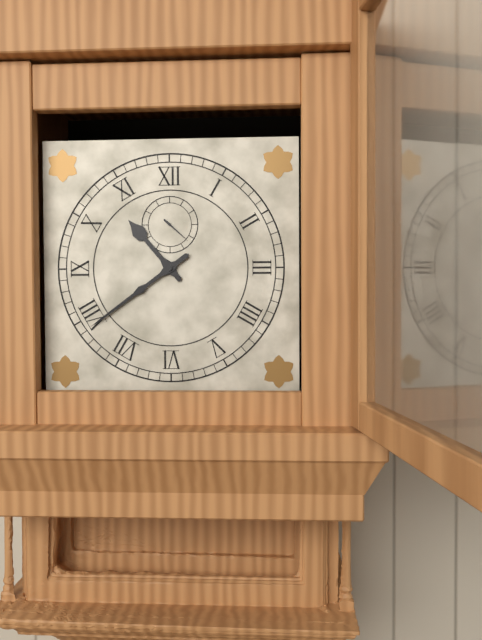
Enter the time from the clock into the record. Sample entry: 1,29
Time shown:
10,39
